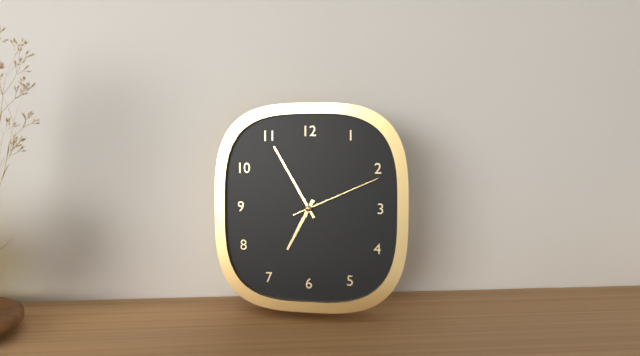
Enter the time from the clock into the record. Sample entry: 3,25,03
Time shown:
6,55,11
